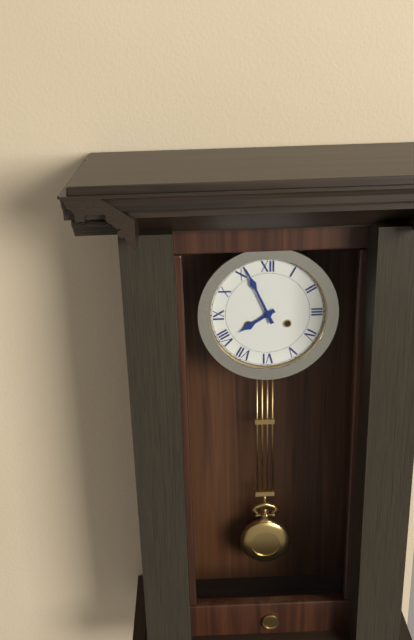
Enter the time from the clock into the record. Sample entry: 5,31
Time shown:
7,56
